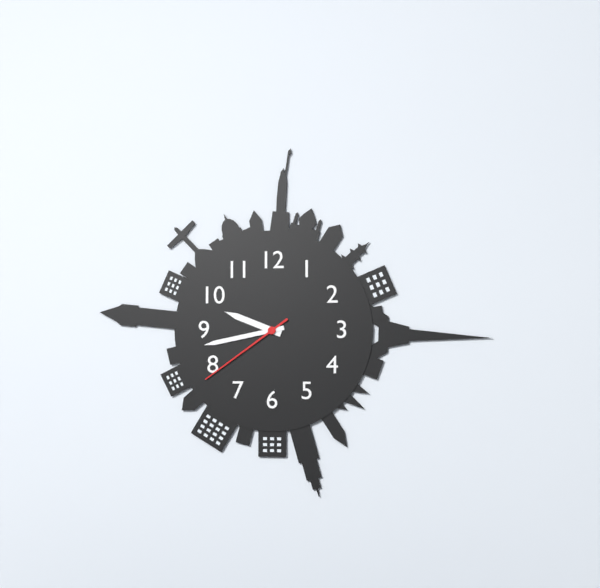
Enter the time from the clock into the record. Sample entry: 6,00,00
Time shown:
9,43,39
